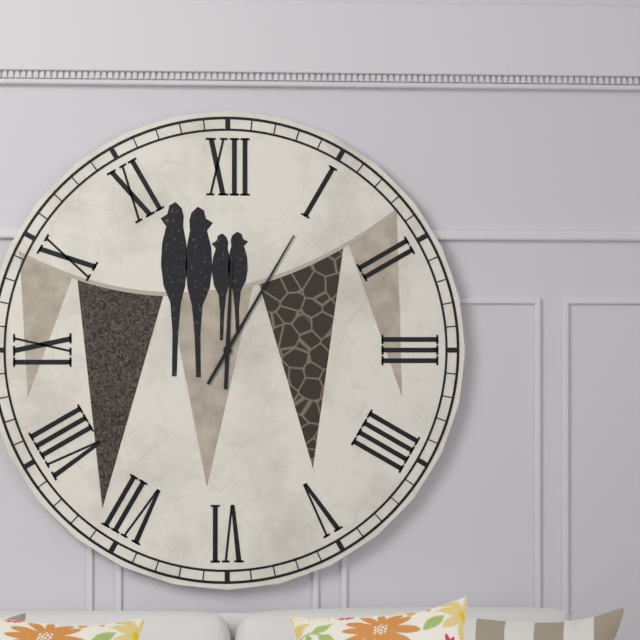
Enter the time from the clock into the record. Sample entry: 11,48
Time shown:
12,05
